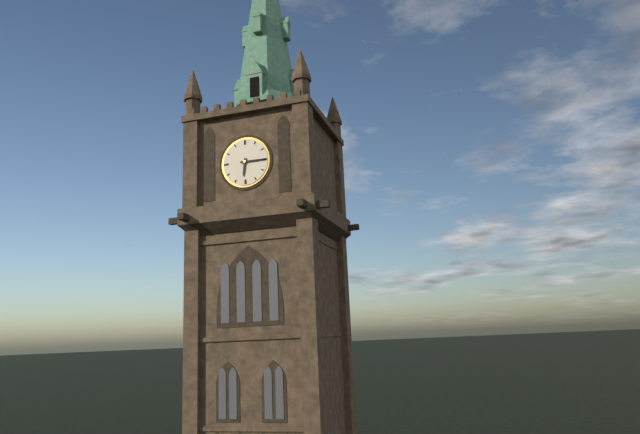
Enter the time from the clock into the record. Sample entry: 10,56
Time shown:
6,15
